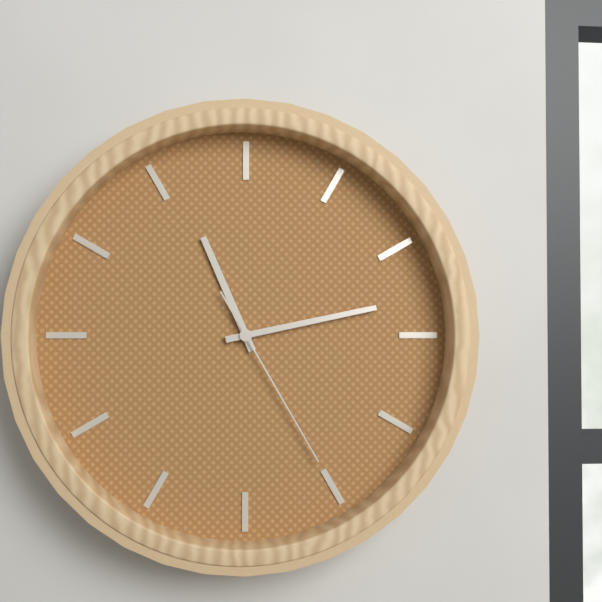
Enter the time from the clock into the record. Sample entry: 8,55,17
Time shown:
11,13,25
